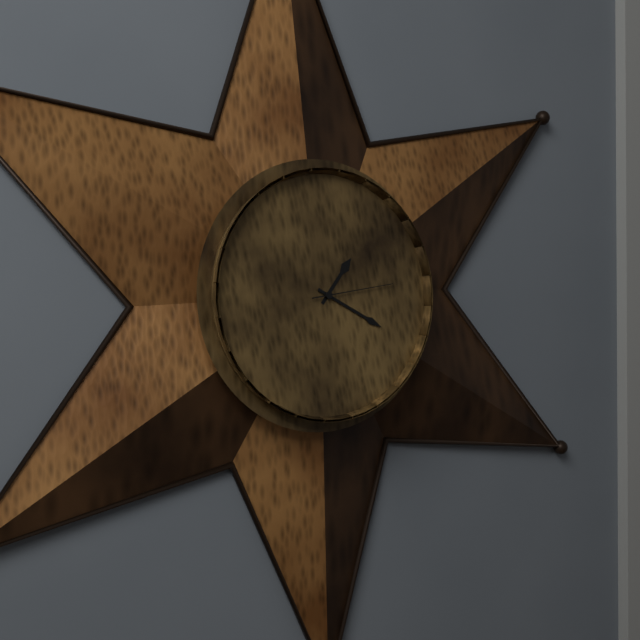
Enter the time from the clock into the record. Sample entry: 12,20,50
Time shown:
1,20,14
